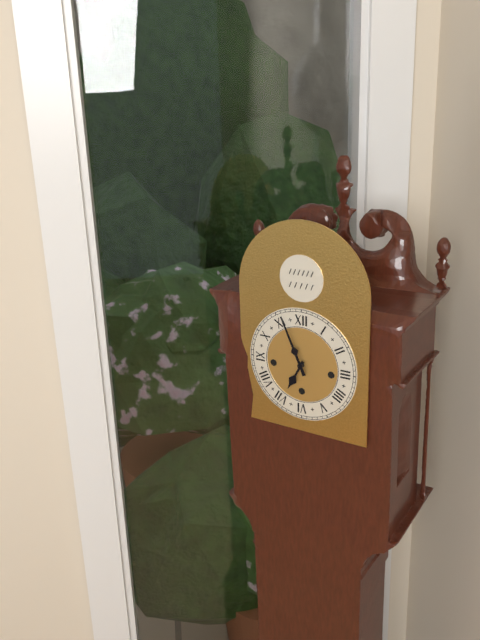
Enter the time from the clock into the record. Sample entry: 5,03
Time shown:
6,56
